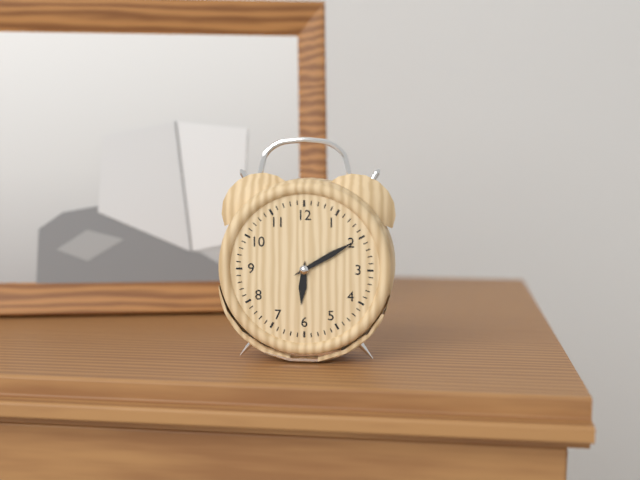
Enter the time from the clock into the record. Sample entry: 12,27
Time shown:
6,10
